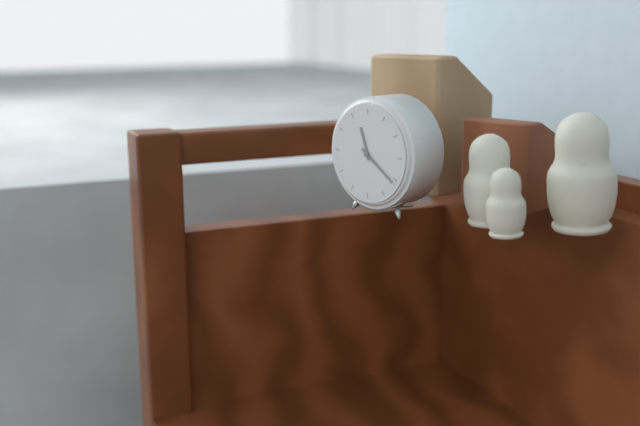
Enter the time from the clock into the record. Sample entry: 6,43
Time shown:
11,21
